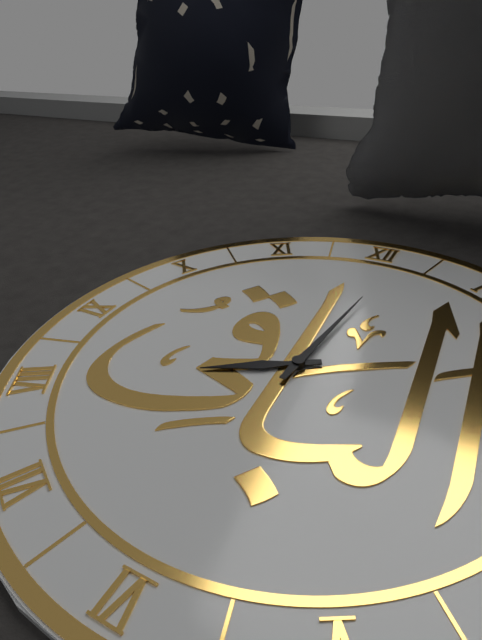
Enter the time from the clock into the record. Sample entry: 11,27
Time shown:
8,01
